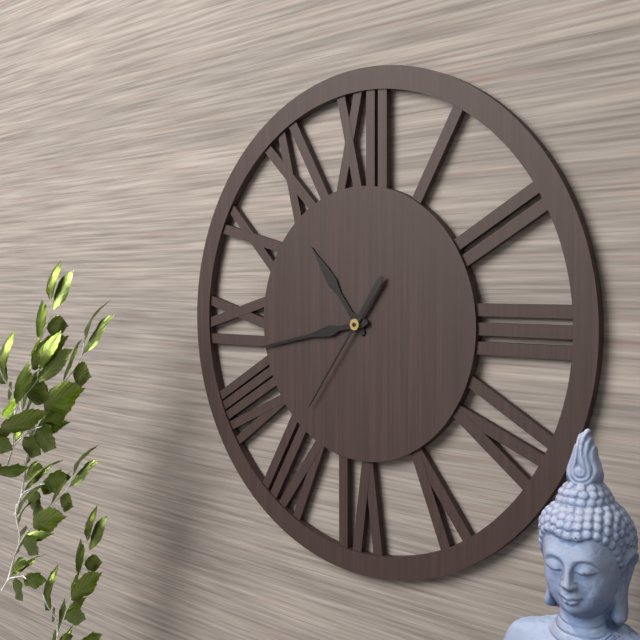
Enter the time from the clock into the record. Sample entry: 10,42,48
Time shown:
10,43,36
